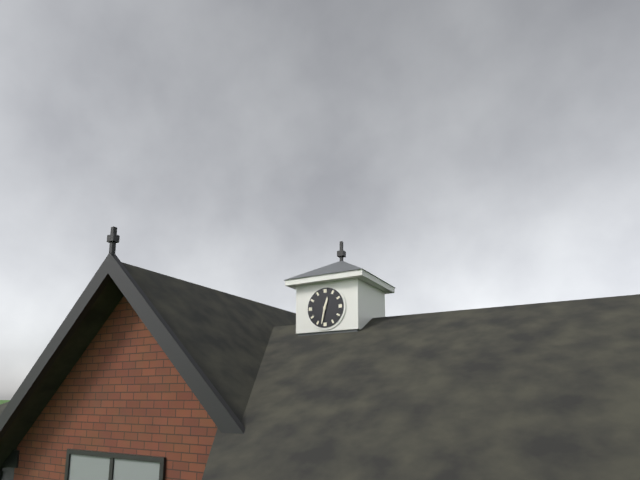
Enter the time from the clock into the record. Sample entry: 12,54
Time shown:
12,32
